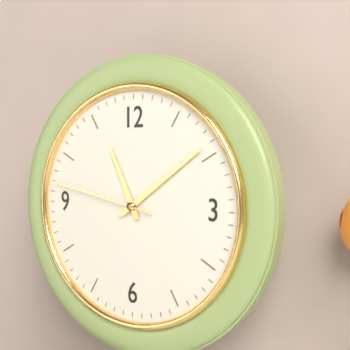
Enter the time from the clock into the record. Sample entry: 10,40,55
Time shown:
11,09,47
